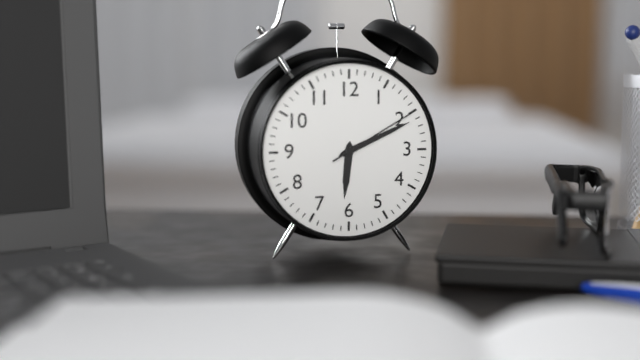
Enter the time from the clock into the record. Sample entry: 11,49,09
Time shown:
6,11,10
